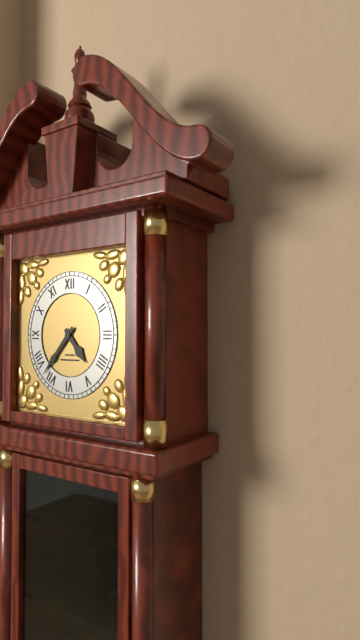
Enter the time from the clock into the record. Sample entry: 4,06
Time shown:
4,37
